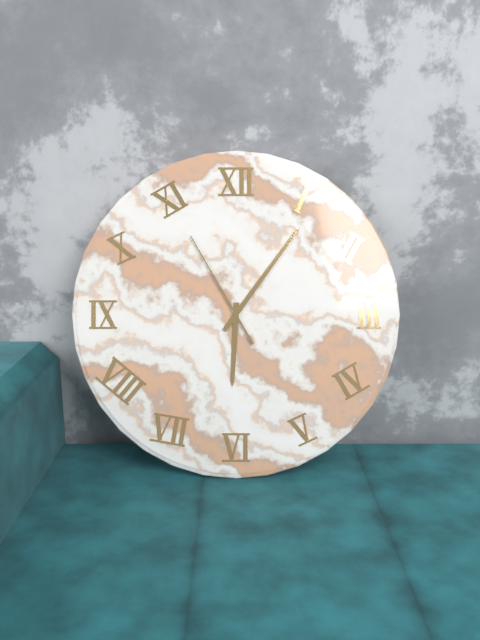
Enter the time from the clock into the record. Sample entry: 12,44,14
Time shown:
6,06,55
